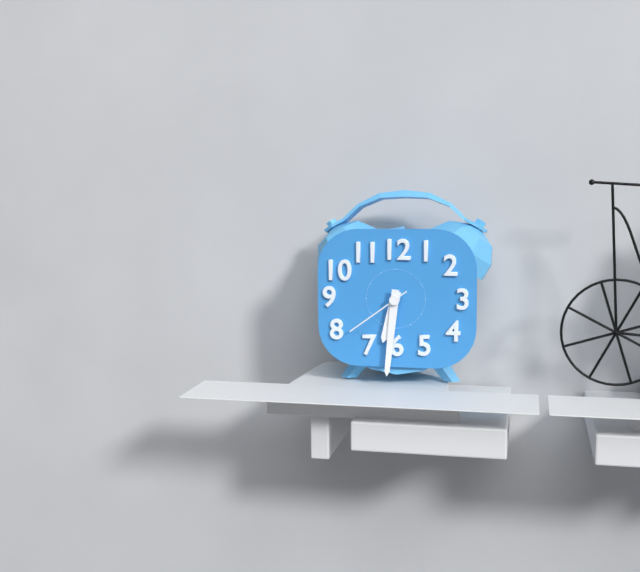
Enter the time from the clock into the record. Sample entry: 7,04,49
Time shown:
6,31,39
